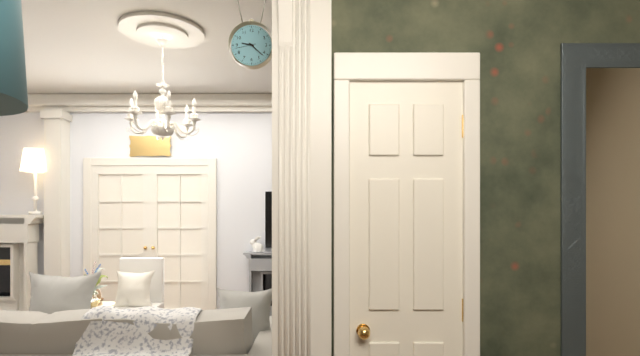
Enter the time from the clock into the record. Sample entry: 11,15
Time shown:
9,22
